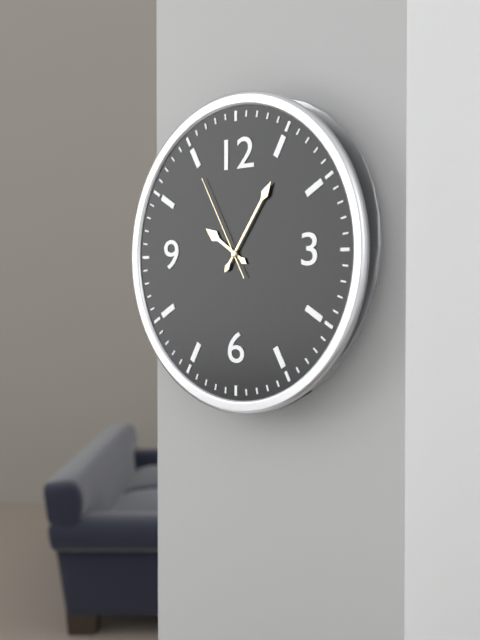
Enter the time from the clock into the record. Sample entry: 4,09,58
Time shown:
10,06,55
